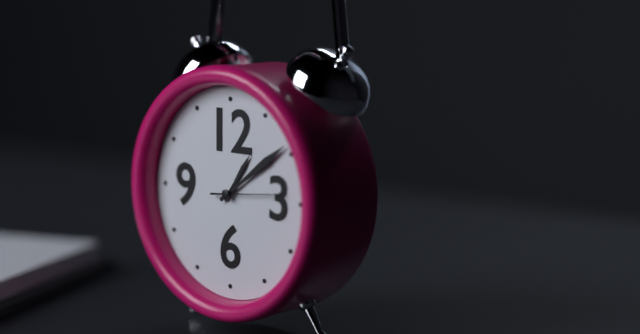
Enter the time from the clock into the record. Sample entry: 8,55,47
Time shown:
1,09,14
